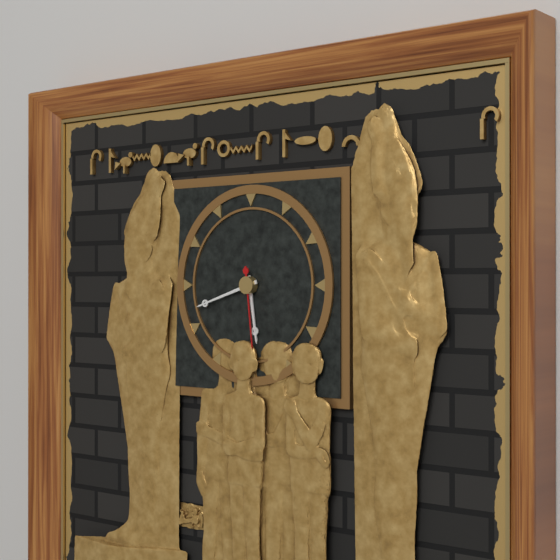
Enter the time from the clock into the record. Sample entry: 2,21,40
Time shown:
5,42,29
